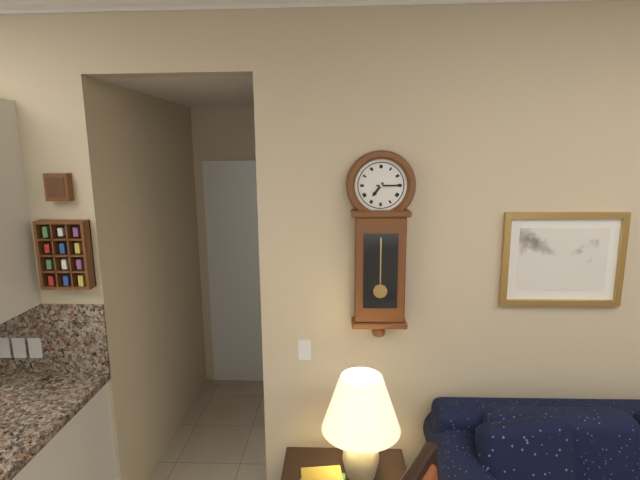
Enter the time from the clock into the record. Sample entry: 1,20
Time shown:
7,15
